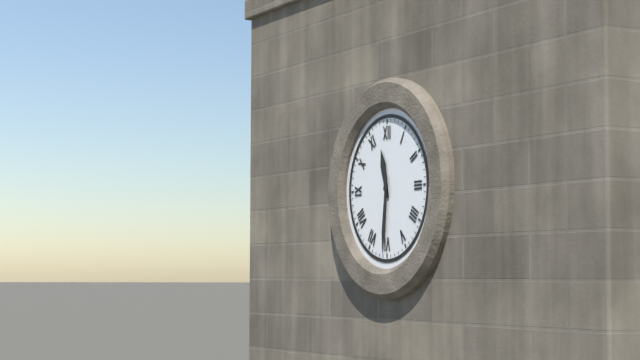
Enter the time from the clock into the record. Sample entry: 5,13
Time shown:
11,31
